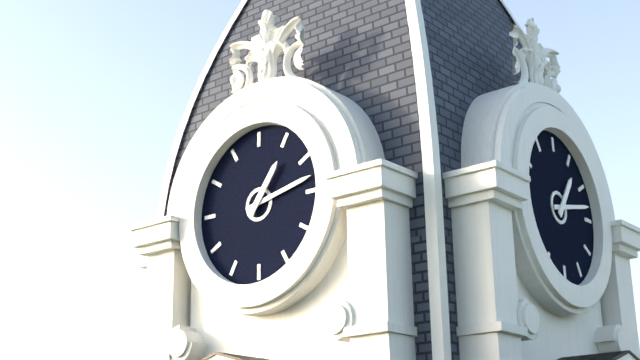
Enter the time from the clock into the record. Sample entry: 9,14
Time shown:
1,13
